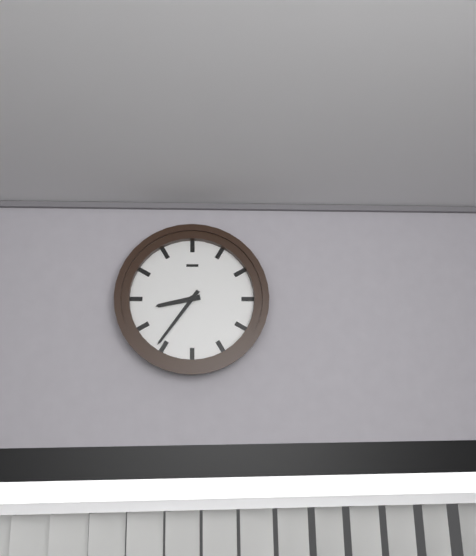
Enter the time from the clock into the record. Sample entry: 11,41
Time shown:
8,36
